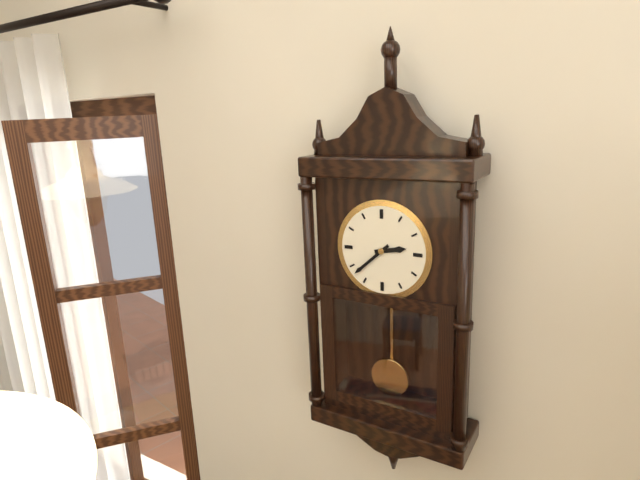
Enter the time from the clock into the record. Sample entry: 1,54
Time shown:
2,38
